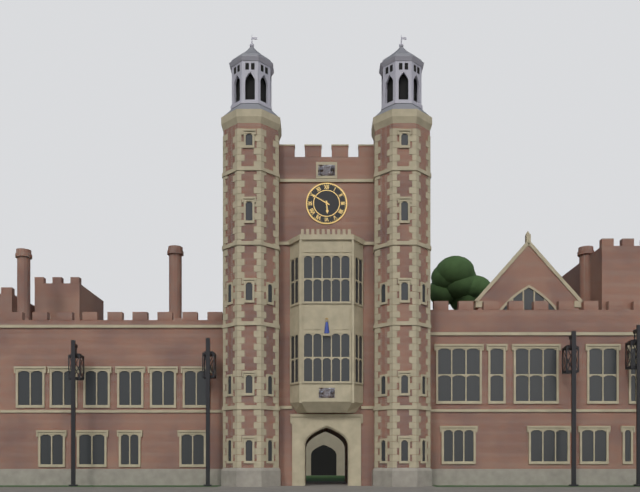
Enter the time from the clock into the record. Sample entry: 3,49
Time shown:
5,50
